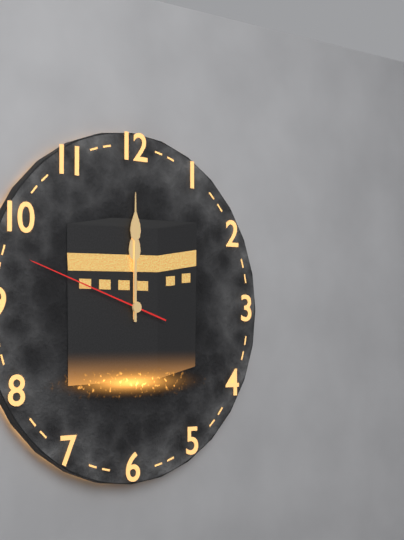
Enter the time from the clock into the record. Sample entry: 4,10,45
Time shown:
12,00,48
